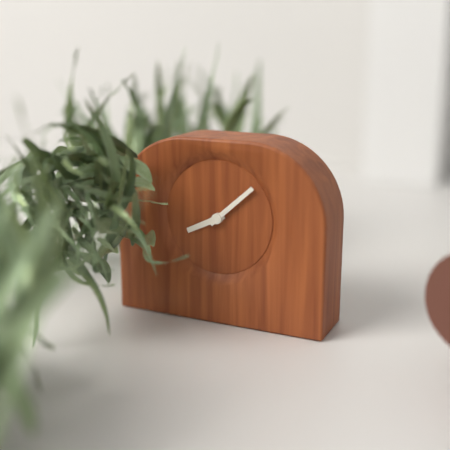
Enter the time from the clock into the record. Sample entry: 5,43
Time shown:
8,08
